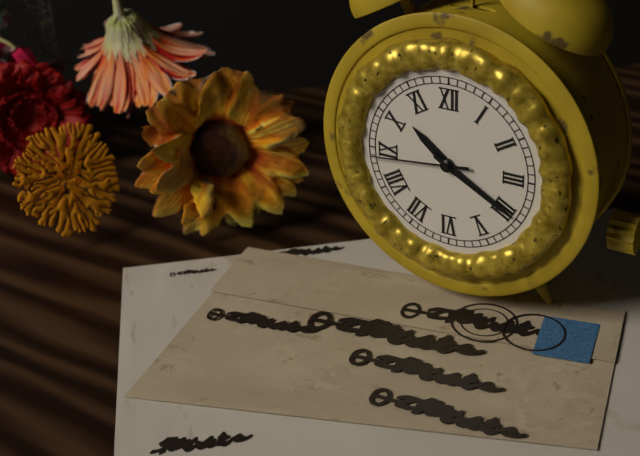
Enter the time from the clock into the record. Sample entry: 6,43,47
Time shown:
10,20,44
